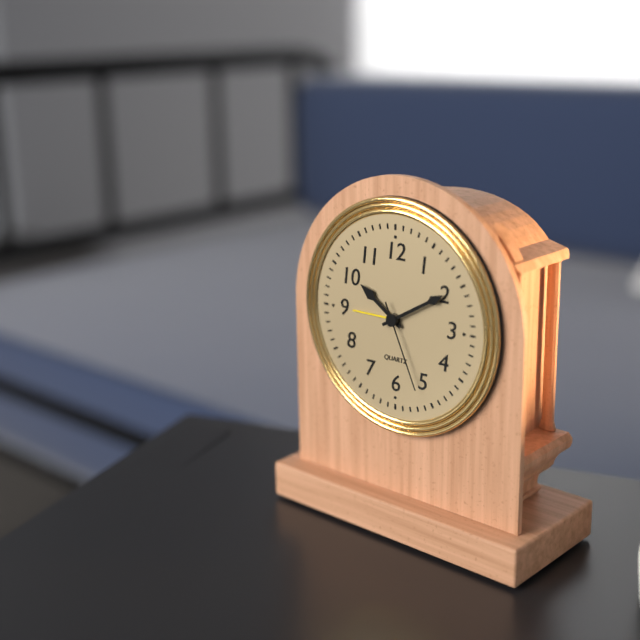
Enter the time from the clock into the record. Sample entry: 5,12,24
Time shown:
10,10,26
